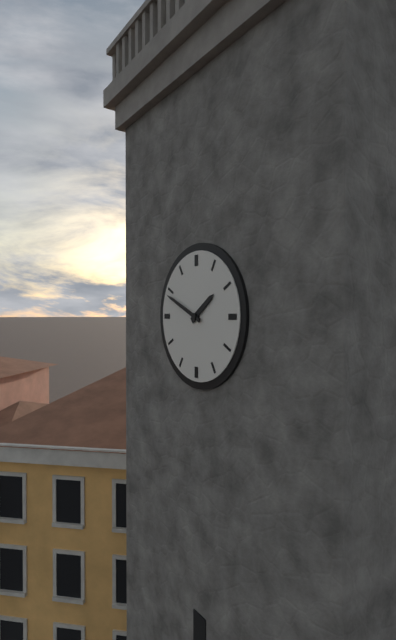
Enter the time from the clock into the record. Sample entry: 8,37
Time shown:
1,49
